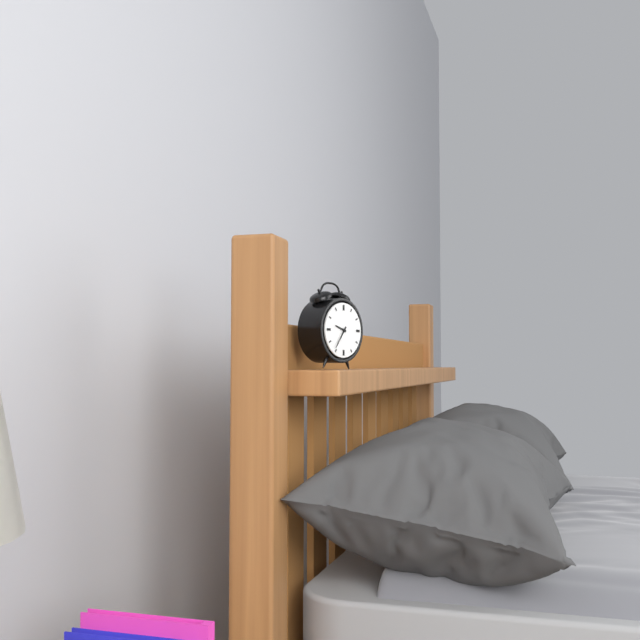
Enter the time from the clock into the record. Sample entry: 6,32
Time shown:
9,36
